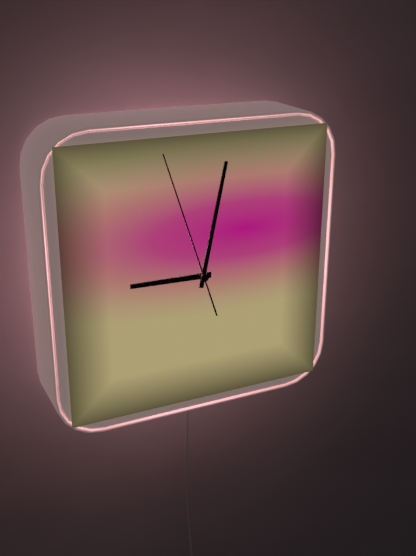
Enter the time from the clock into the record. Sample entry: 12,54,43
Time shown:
9,02,57
